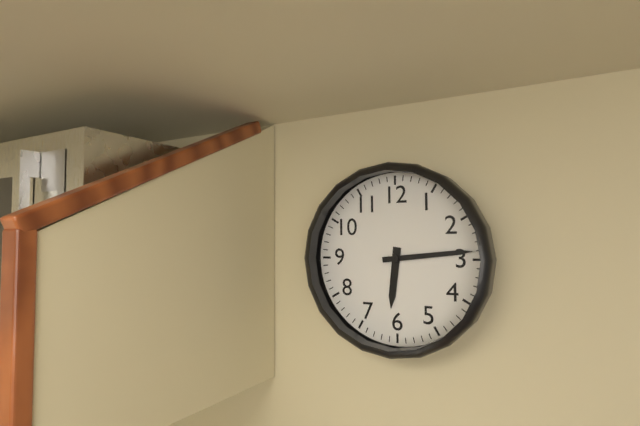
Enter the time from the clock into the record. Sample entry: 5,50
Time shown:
6,14
